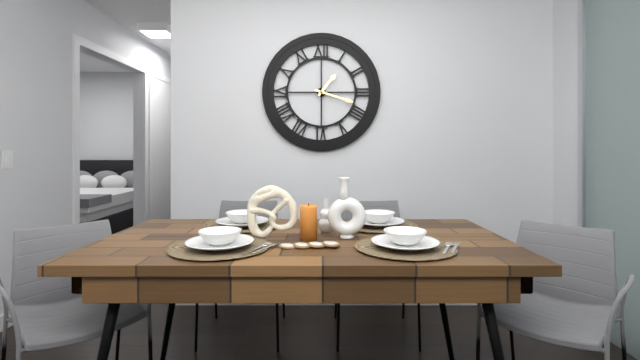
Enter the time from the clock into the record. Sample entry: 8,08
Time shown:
1,18
